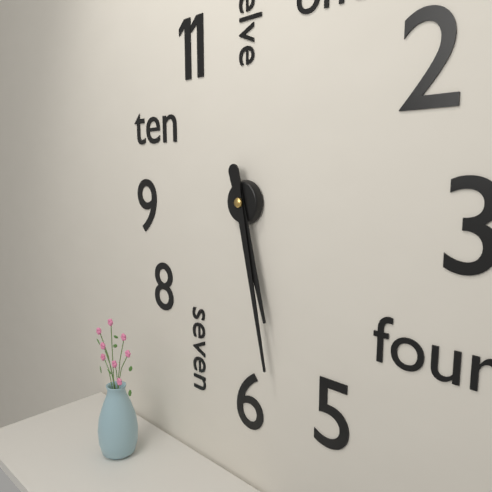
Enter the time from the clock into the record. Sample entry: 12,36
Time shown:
5,28
